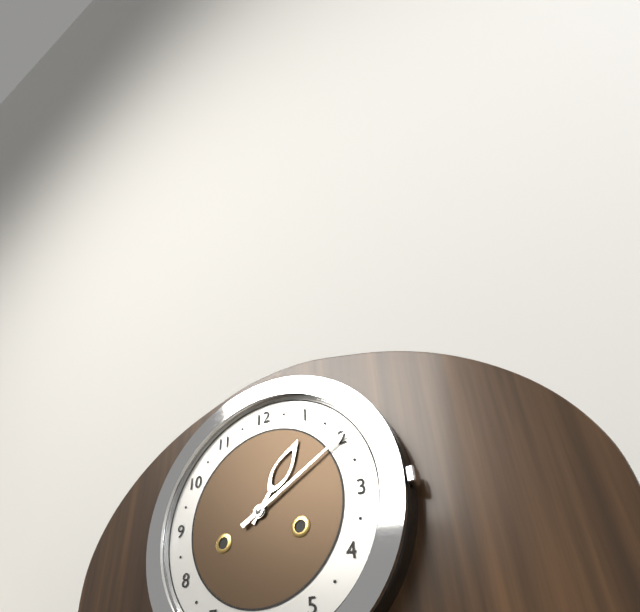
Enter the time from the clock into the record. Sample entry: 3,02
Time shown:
1,10
